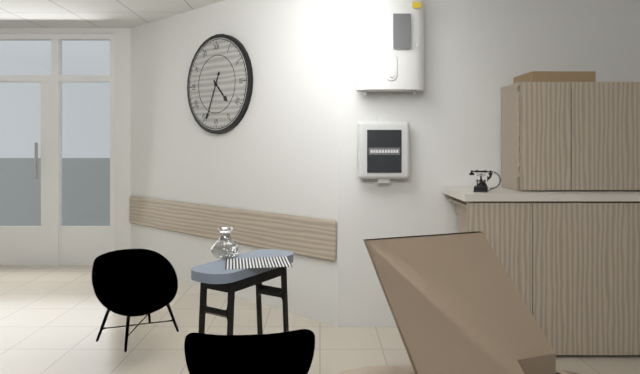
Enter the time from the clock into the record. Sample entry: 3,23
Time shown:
4,34
